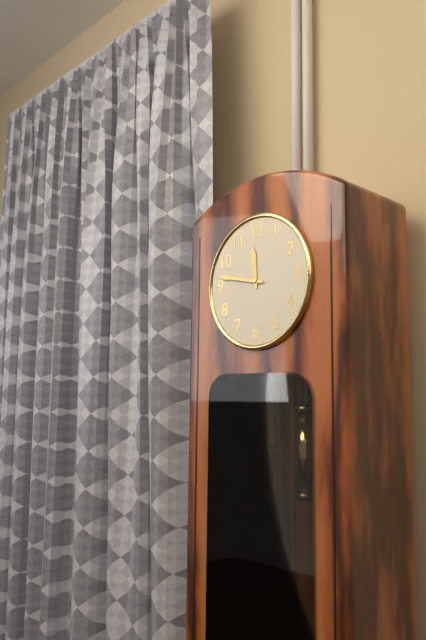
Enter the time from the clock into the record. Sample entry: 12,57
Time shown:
11,47
